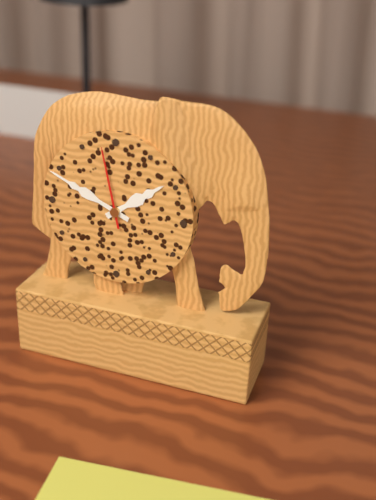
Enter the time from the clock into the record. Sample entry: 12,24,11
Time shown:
1,49,58
